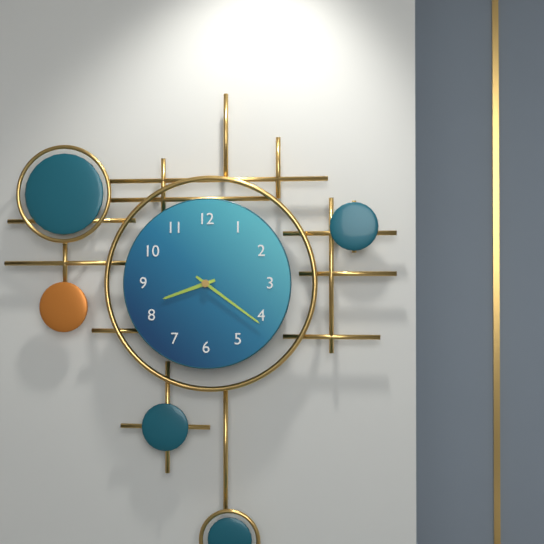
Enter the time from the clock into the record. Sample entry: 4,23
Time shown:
8,21
